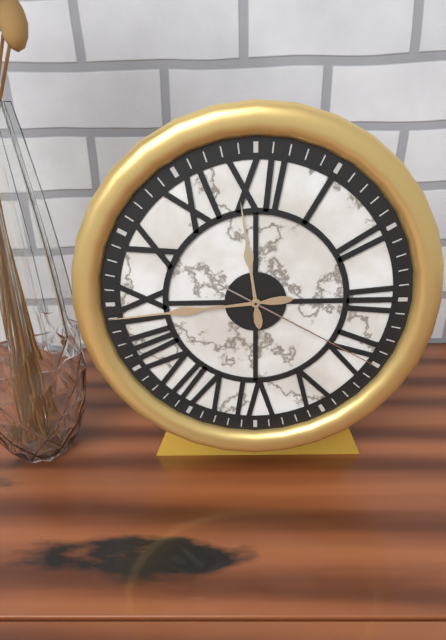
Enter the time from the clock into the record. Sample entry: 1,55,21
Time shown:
11,44,20
